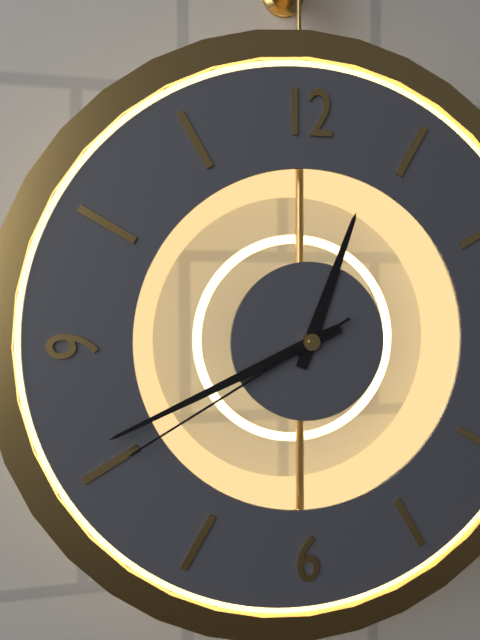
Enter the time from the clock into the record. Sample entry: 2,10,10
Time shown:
12,41,40
